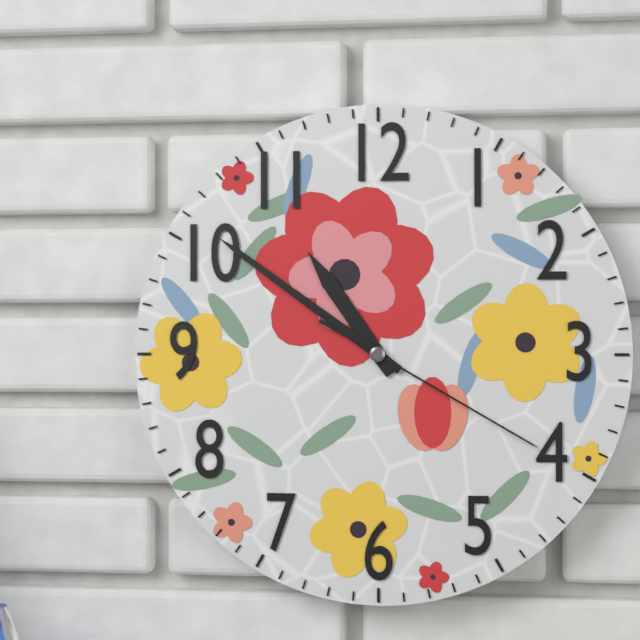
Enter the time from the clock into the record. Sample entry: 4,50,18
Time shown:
10,51,20
